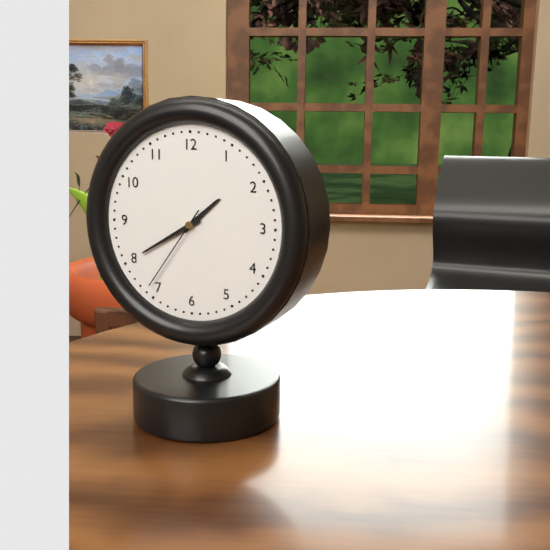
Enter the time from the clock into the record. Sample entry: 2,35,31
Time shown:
1,40,36
